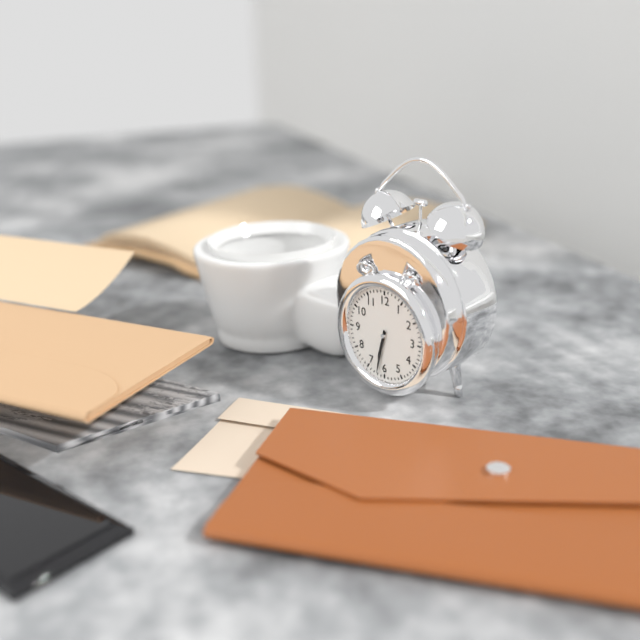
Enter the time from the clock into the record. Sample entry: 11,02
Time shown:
6,32
